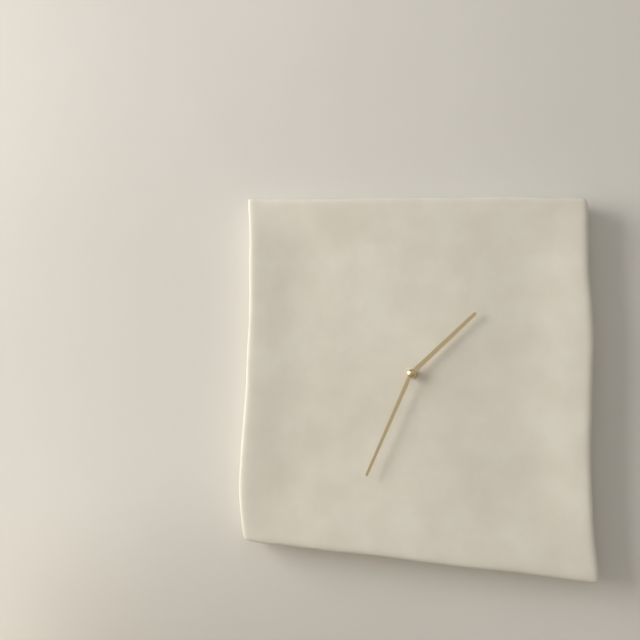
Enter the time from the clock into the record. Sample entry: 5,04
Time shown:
1,34
